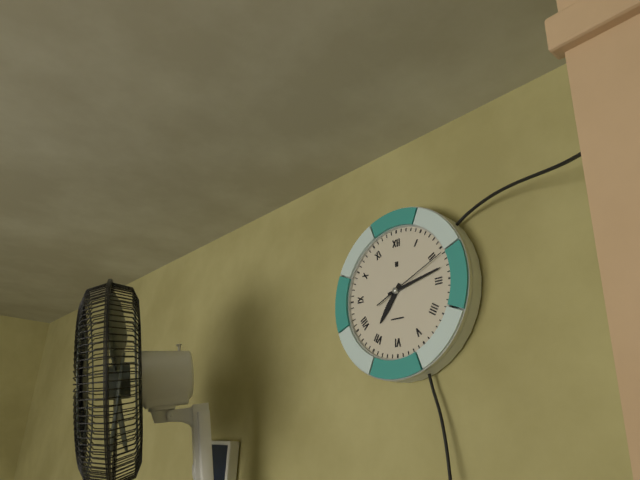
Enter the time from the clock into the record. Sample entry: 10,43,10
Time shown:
7,13,11
